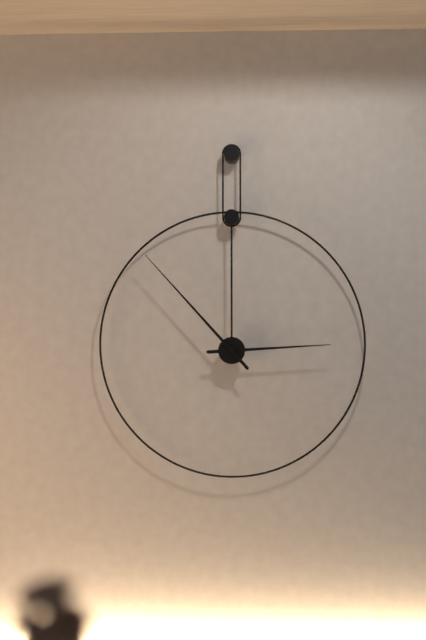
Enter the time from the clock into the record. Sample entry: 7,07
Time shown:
2,53
